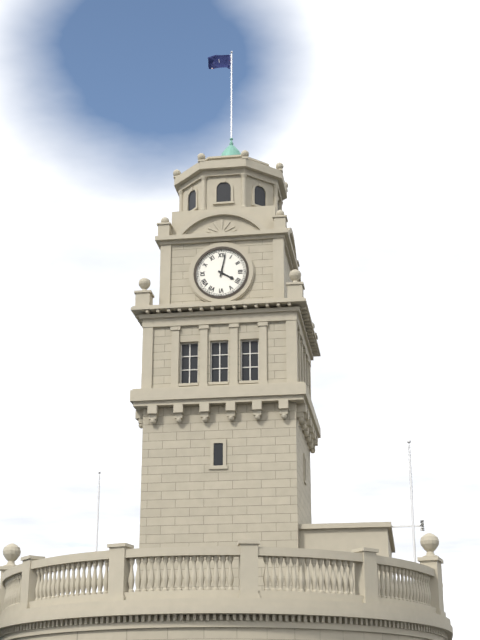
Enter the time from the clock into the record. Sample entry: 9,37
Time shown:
4,02
